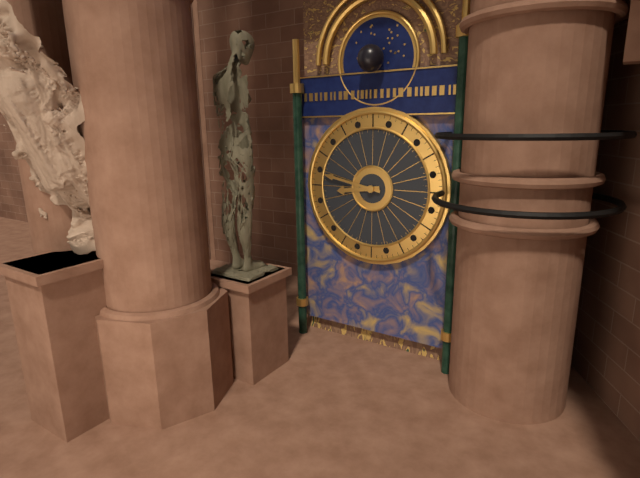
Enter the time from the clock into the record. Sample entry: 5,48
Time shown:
8,47
